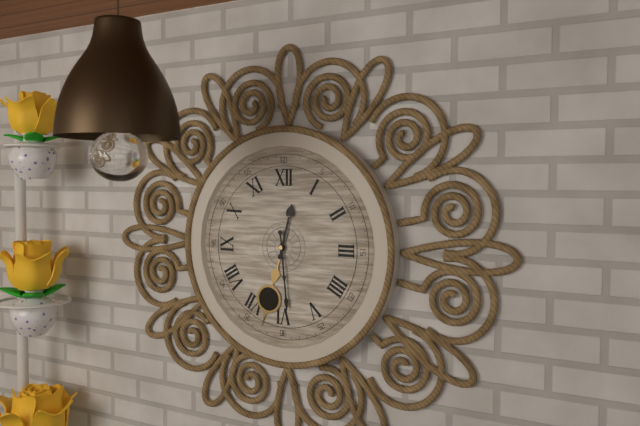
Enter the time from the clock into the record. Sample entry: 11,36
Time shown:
12,29
